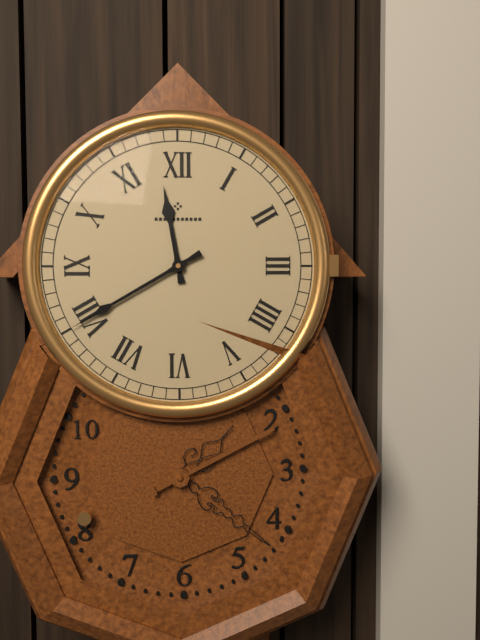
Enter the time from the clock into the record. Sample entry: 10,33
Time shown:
11,40
